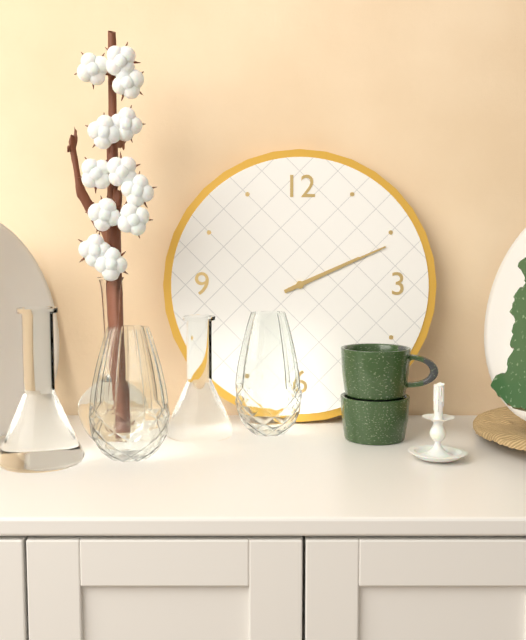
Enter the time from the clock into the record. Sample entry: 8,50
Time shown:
2,11
